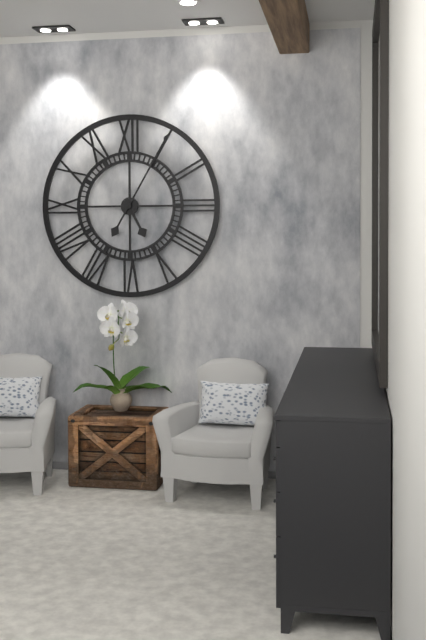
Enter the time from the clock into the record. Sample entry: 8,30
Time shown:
5,05
